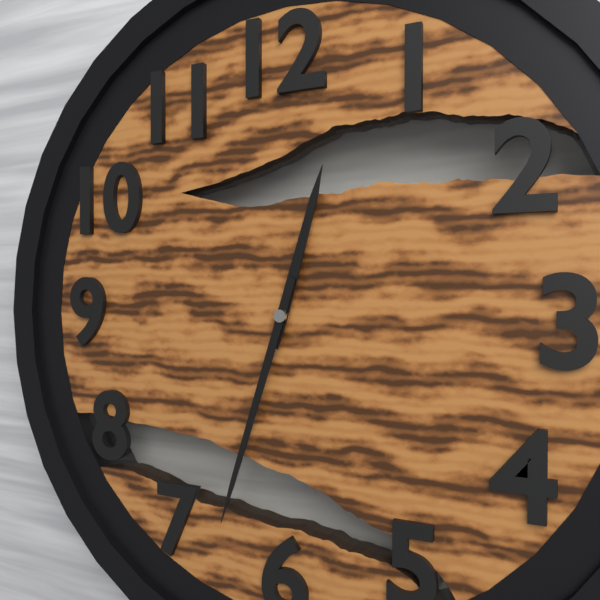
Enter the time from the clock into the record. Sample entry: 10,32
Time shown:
12,33
